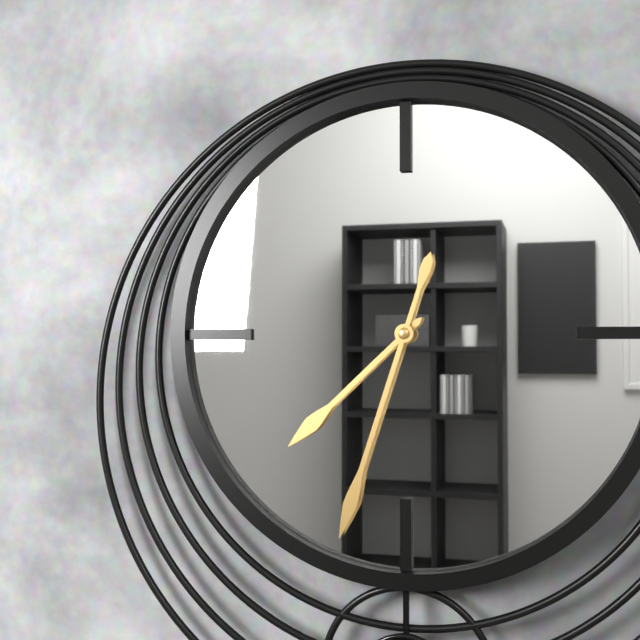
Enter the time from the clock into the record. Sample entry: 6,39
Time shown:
7,33
